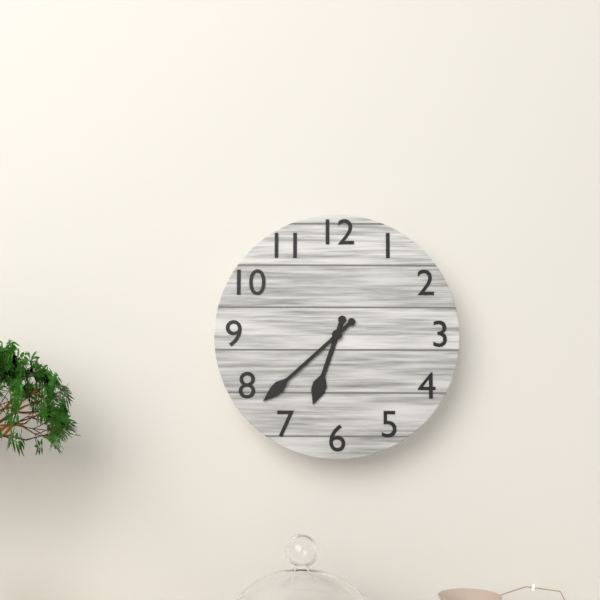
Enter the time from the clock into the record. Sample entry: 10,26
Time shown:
6,38
